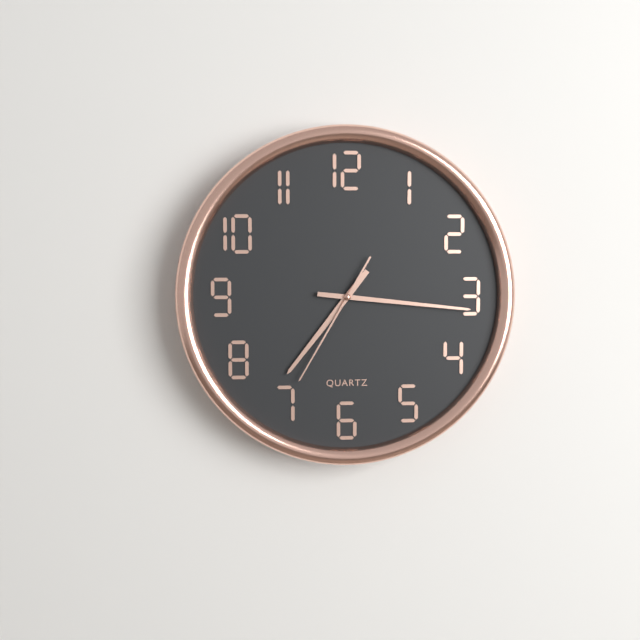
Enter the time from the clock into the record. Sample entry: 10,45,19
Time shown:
7,16,35
